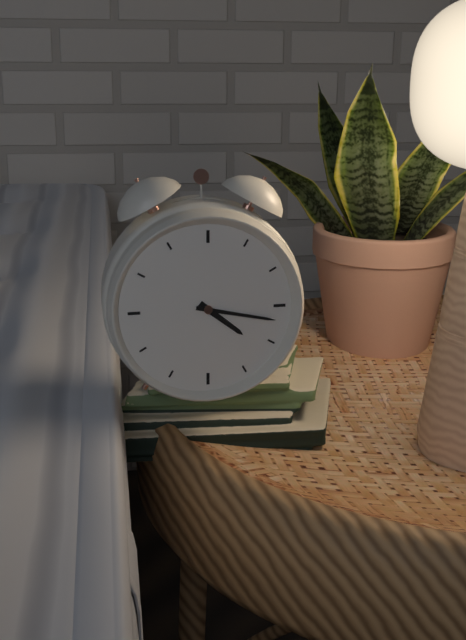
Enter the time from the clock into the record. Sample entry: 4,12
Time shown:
4,17
